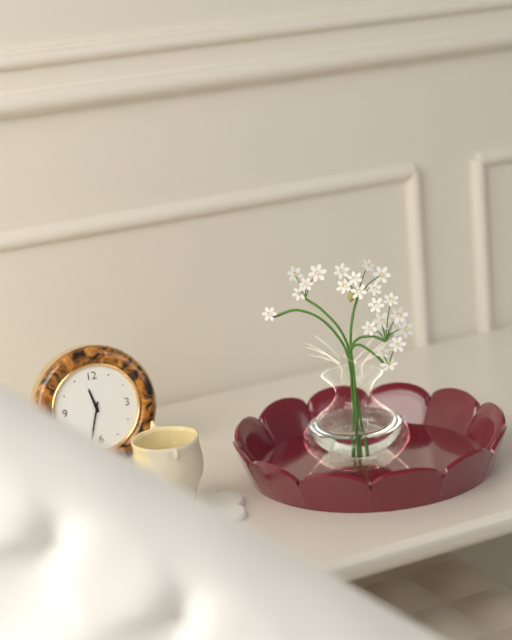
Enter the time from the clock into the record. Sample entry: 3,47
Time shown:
11,33
